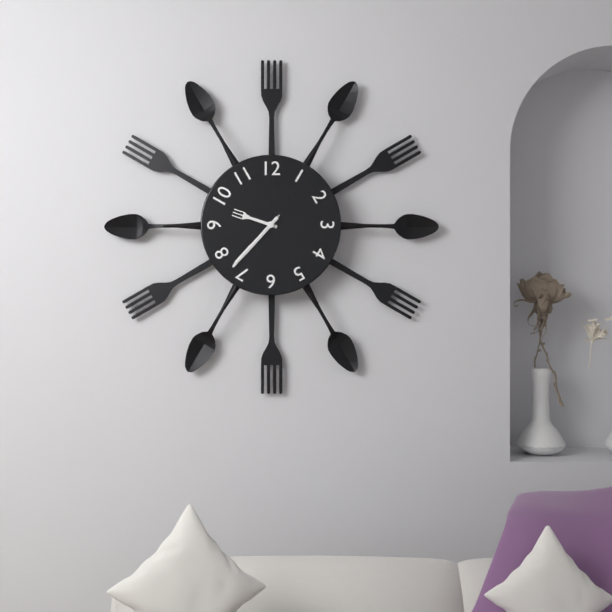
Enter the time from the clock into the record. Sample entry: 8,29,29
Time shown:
9,37,37
